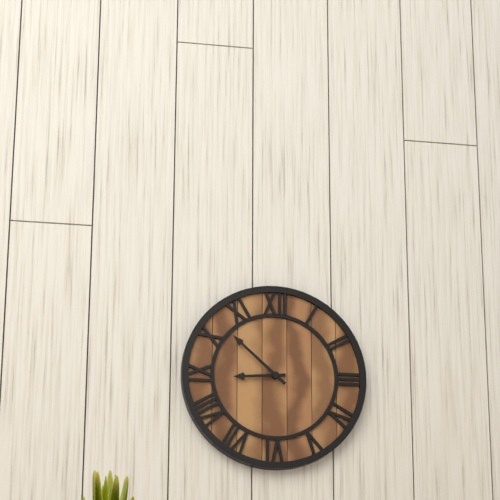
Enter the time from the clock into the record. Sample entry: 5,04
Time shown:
8,52
